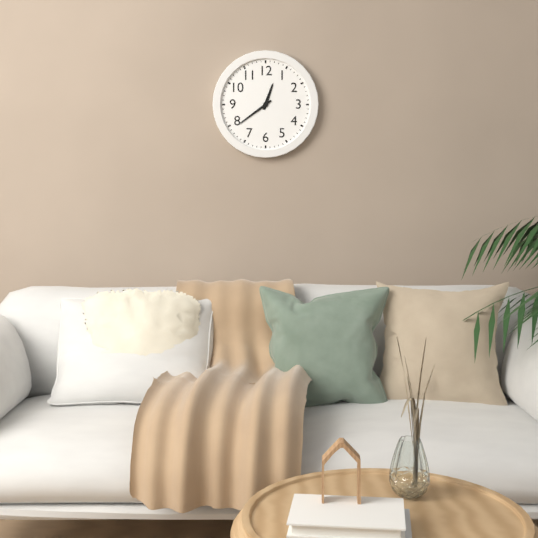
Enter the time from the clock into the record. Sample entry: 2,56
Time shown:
12,39
